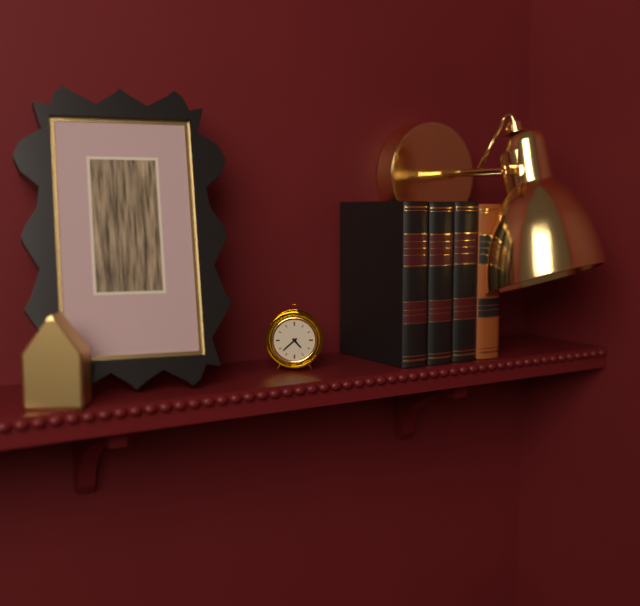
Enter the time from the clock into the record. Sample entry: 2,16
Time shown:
4,38
